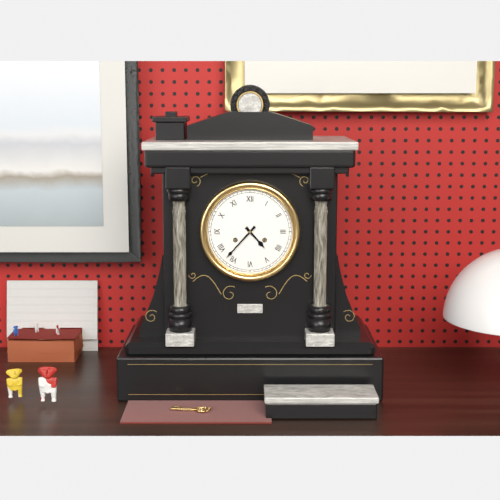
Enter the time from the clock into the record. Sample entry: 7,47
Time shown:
4,37
